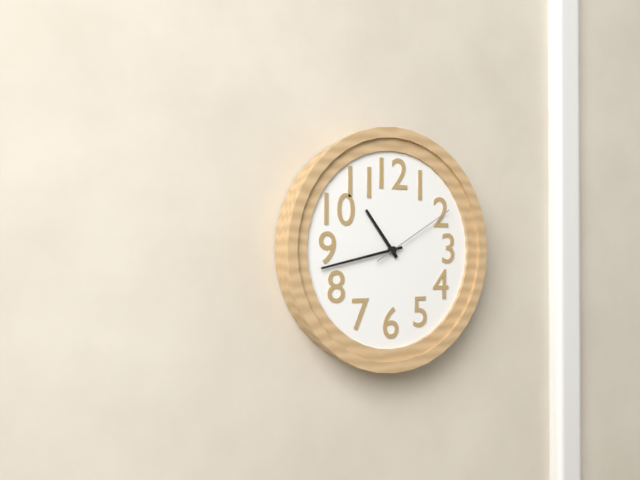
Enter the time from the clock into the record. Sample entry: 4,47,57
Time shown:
10,43,10
